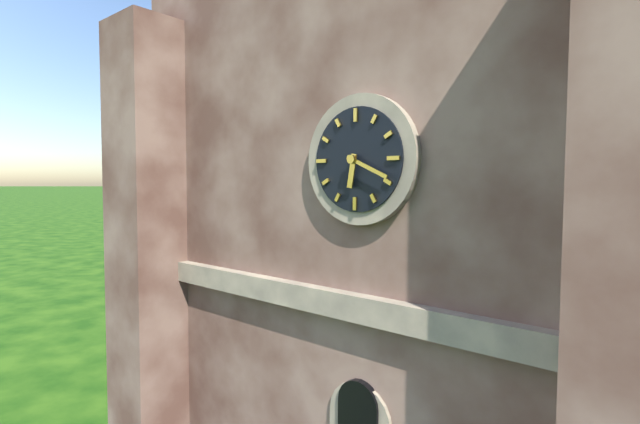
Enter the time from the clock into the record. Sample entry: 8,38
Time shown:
6,19
